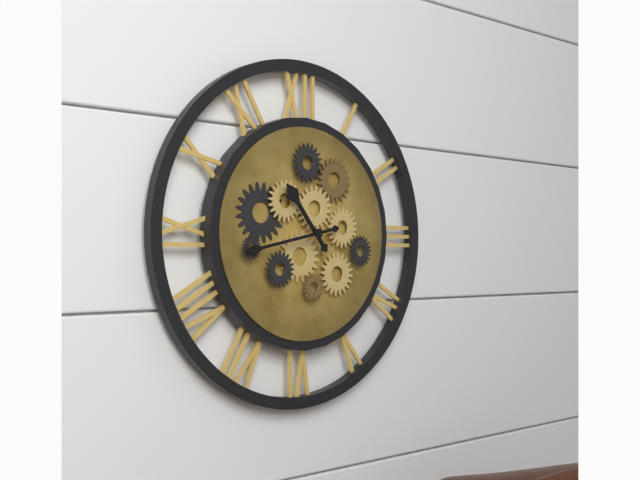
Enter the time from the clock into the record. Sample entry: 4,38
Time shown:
10,43
